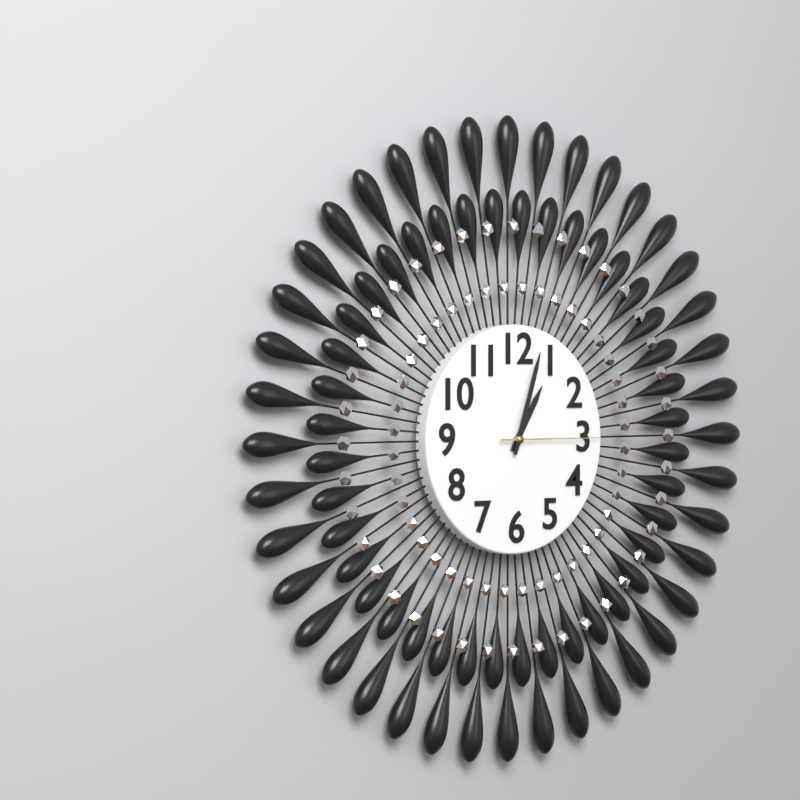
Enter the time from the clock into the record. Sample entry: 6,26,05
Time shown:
1,03,15
